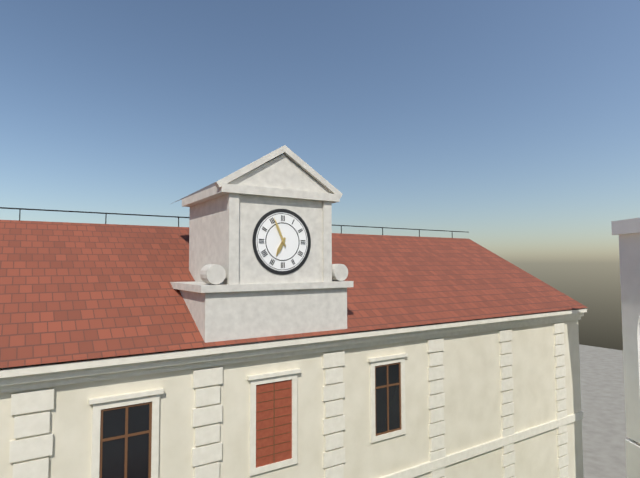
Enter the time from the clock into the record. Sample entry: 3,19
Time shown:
6,56
